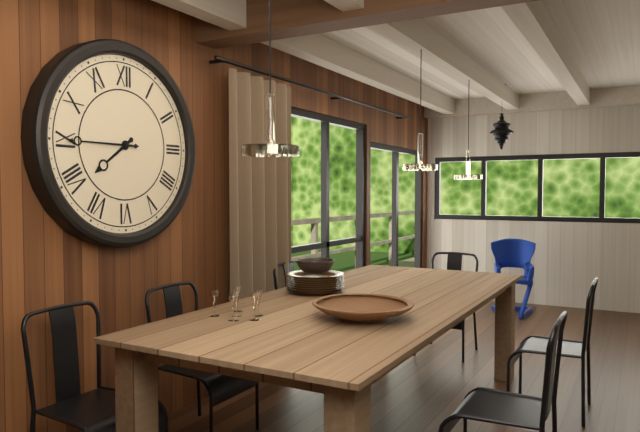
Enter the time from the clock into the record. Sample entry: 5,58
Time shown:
7,45
